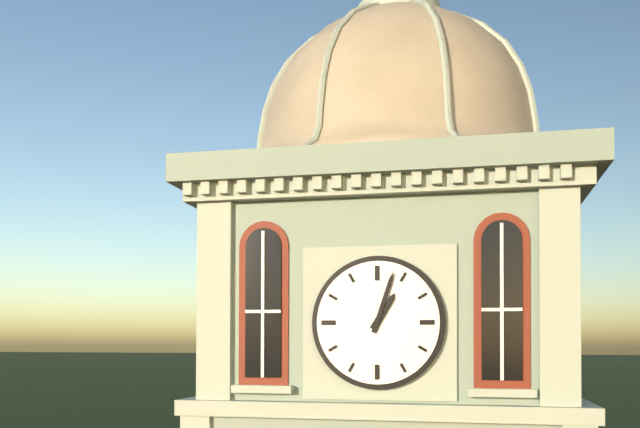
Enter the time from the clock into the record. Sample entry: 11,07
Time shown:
1,03
